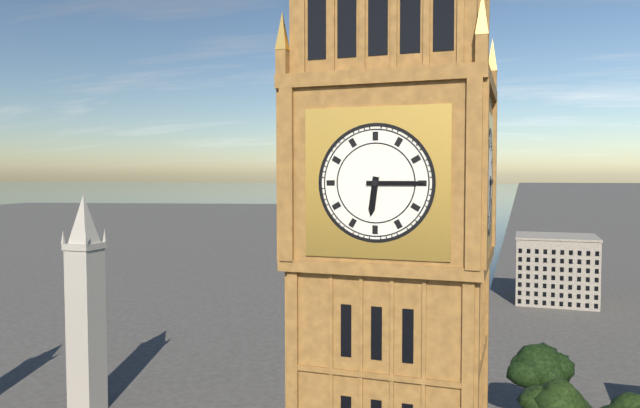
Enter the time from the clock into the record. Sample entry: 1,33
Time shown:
6,15
